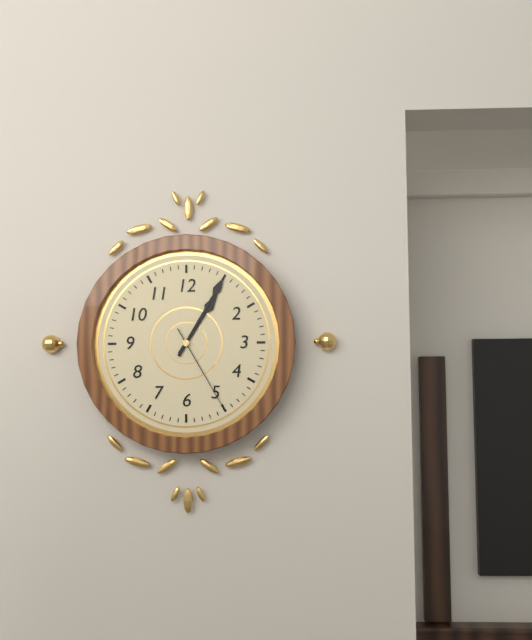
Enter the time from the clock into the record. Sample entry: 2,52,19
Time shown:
1,05,25
